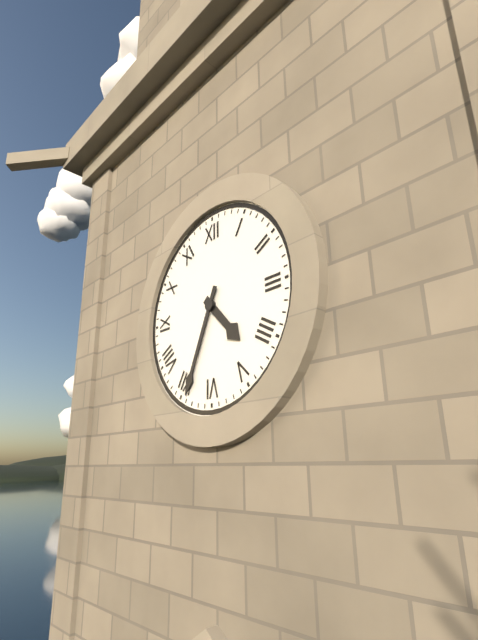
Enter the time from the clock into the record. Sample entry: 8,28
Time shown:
4,34
